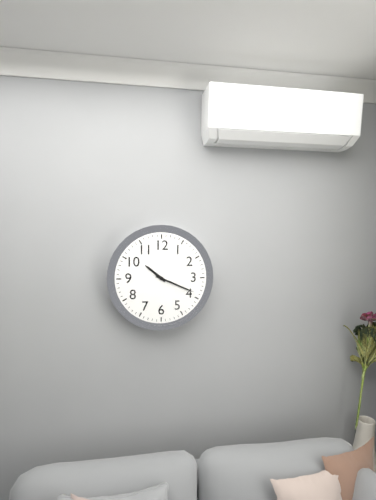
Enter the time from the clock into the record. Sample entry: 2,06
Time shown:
10,19
